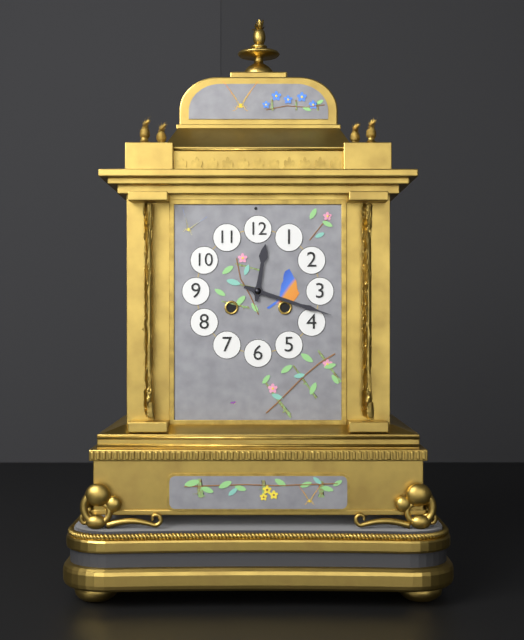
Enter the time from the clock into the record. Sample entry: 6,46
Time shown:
12,18
